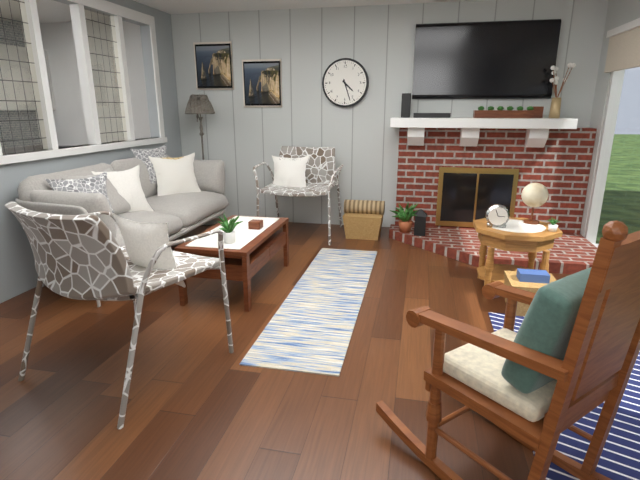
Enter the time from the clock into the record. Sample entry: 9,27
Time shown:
4,27
